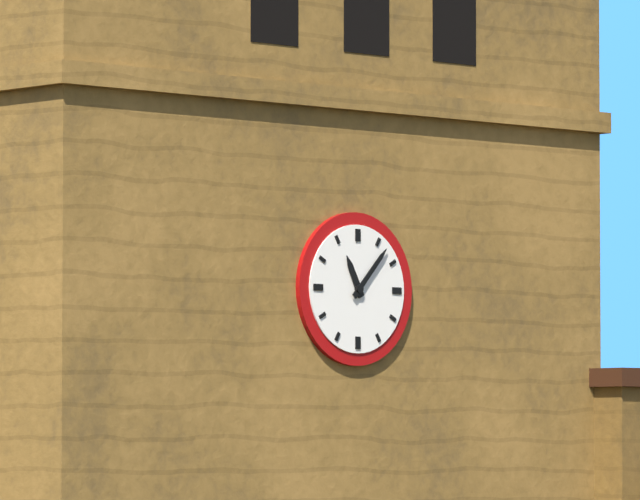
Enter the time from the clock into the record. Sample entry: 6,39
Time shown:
11,07
